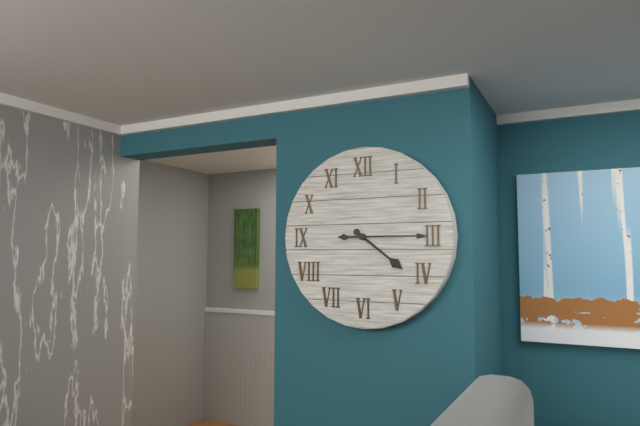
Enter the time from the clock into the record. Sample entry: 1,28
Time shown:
4,15
